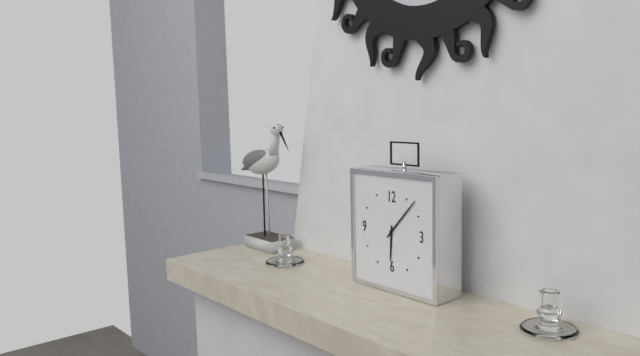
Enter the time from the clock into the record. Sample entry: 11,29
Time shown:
6,07
